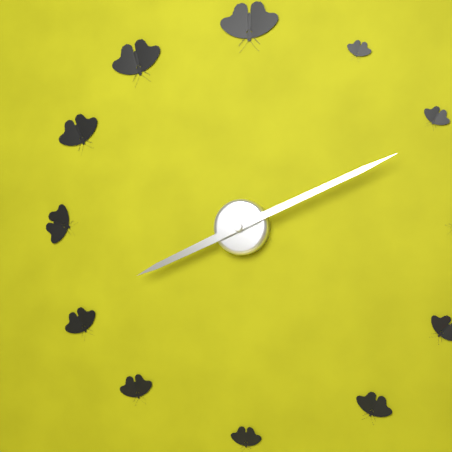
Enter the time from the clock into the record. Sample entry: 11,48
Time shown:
8,11
